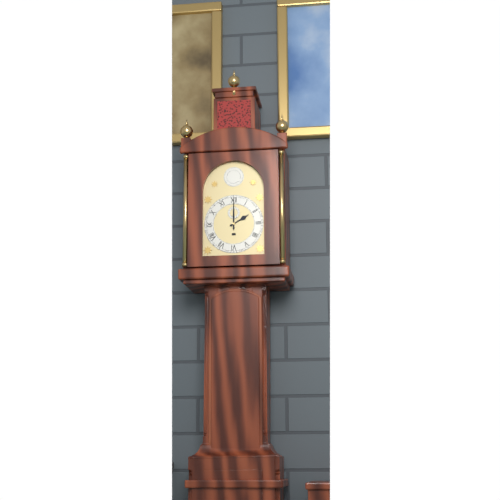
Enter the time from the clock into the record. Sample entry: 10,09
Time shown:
2,00
